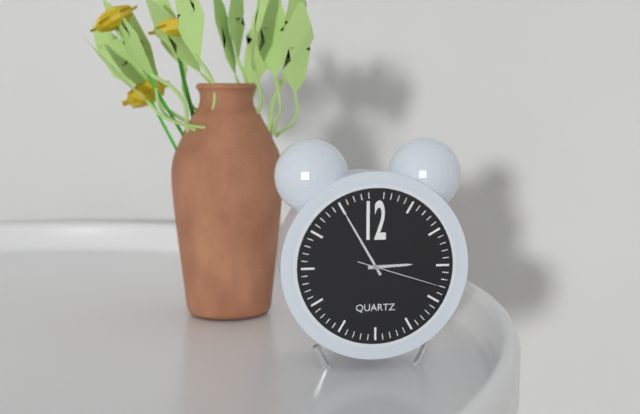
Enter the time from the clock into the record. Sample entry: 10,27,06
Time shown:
2,55,18
